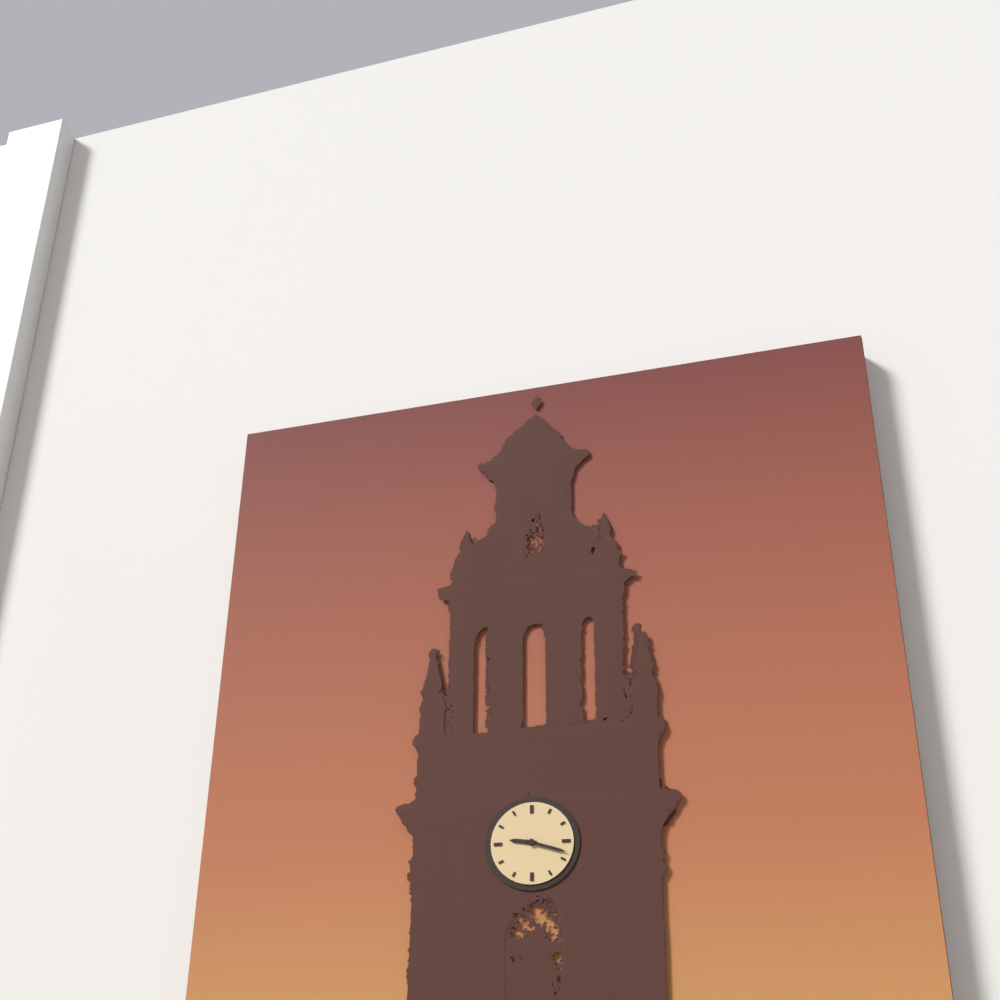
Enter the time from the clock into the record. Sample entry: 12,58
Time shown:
9,18
